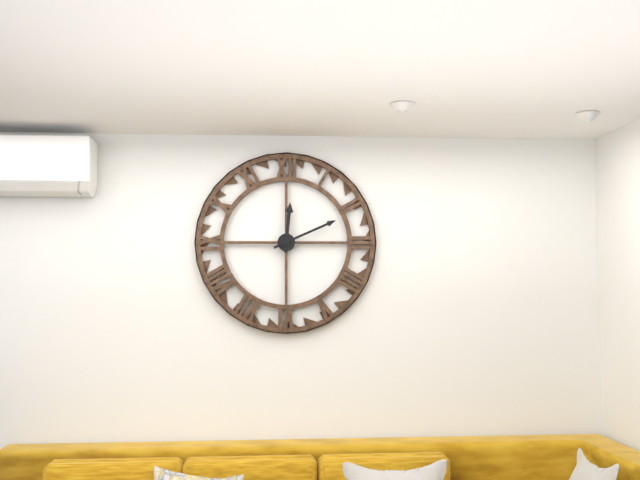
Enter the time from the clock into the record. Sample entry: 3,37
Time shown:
12,11
